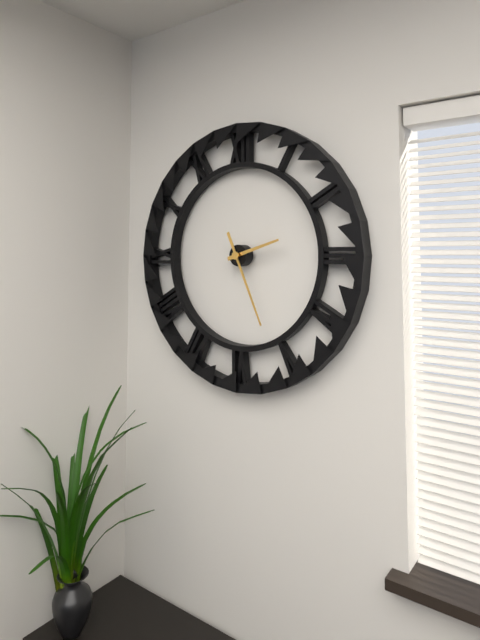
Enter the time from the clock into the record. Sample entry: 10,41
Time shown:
2,26
